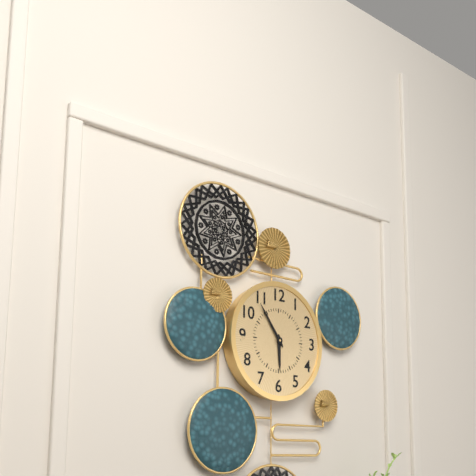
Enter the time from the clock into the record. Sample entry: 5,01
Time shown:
5,54
